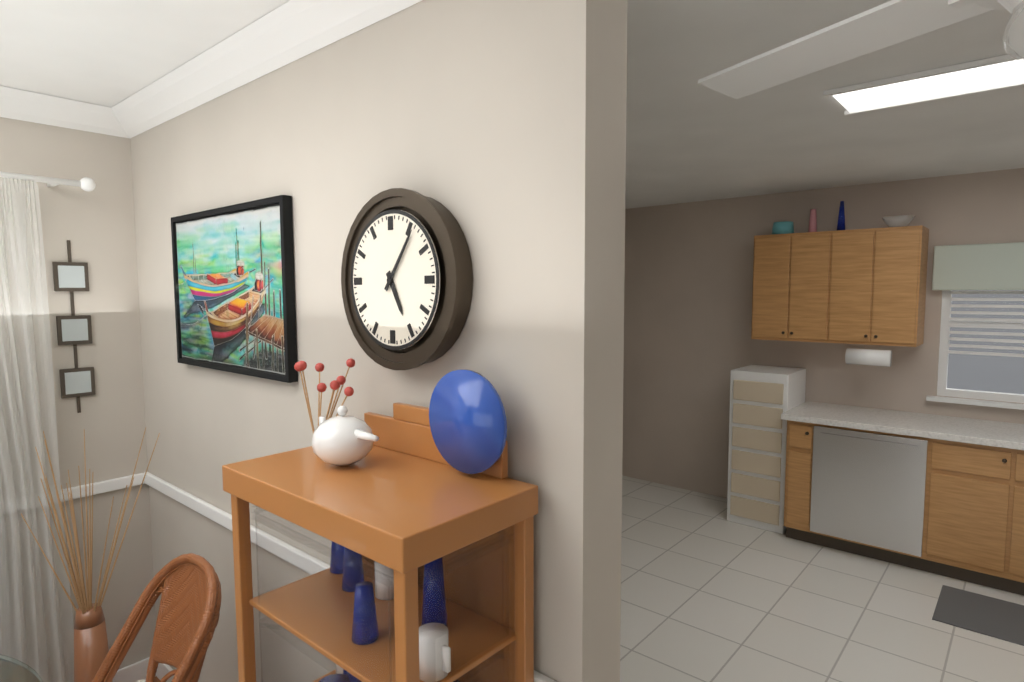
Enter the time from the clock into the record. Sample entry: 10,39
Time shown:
5,06
